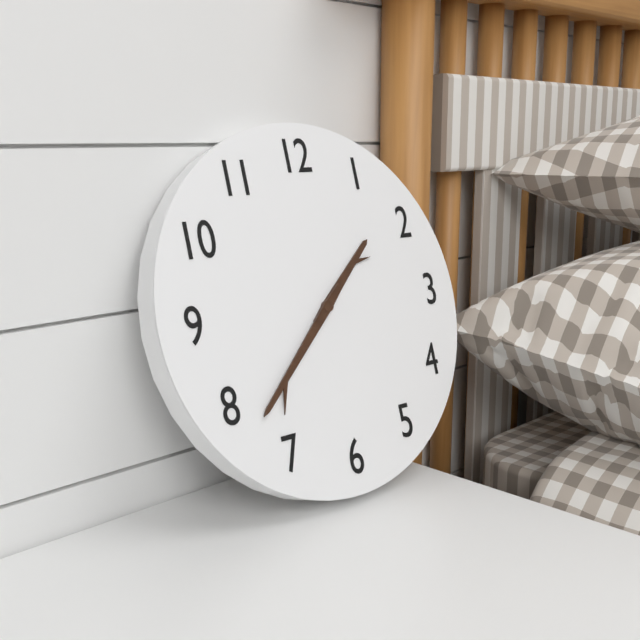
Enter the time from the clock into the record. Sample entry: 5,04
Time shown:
1,38
